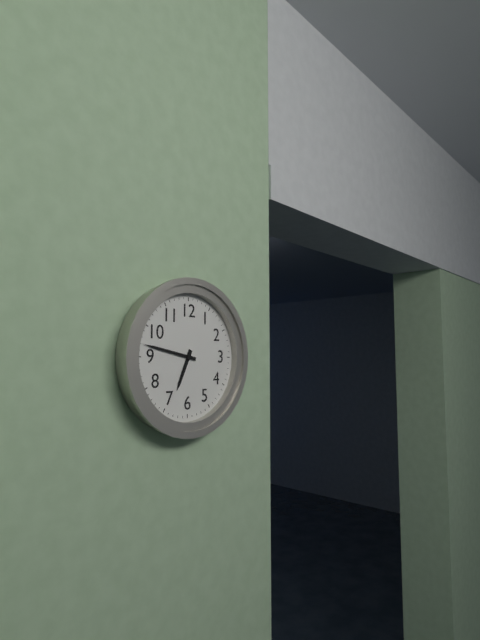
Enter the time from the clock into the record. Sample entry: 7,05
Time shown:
6,47
